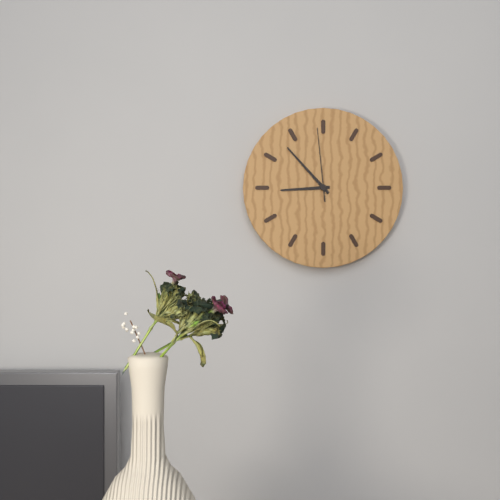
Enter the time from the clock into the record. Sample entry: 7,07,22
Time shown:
8,53,59
